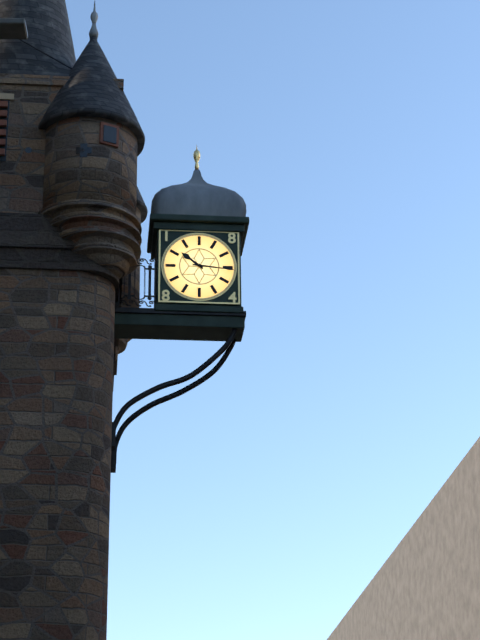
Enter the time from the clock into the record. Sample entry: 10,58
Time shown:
10,16
